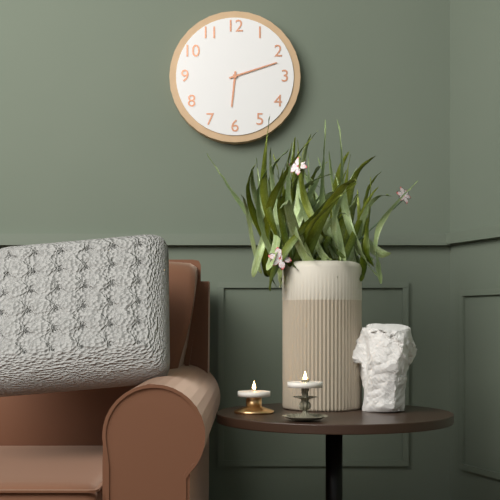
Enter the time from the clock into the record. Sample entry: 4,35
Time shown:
6,12
